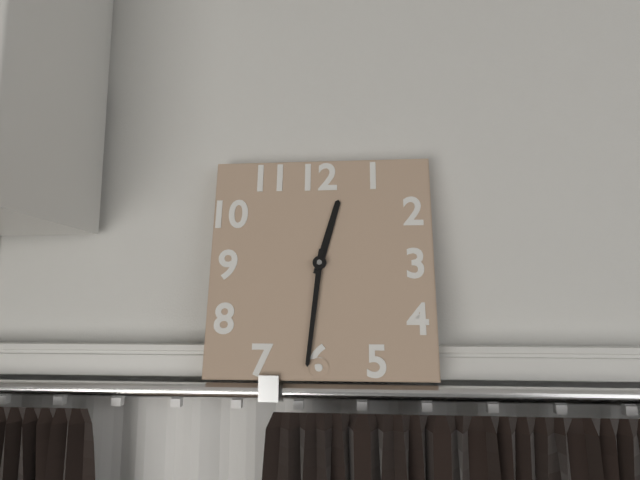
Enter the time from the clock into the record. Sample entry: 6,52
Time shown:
12,31
